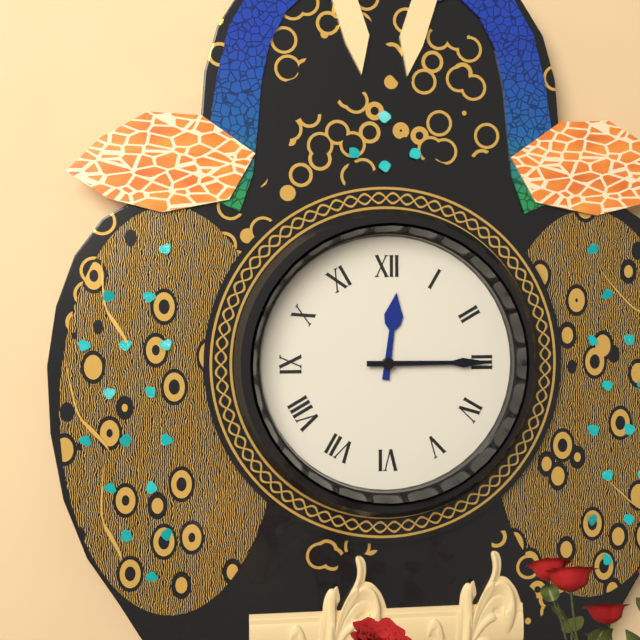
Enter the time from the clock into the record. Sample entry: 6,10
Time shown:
12,15
